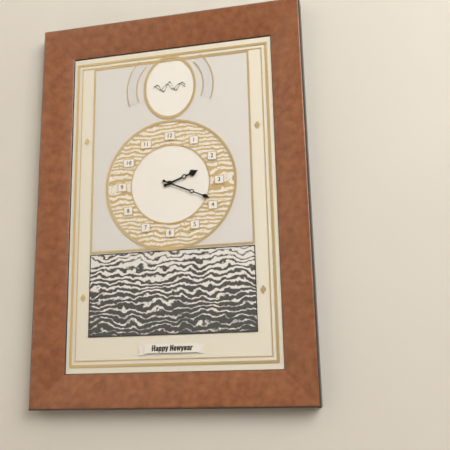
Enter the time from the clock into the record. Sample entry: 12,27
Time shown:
2,19
